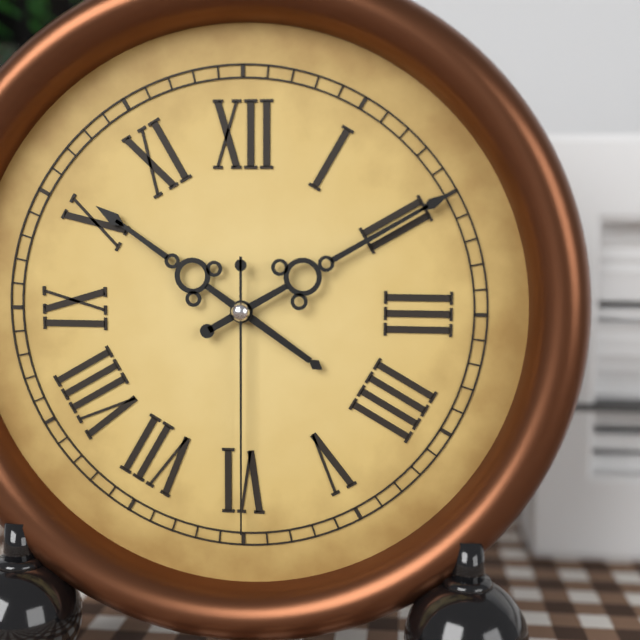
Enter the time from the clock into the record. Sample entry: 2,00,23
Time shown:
10,10,30
